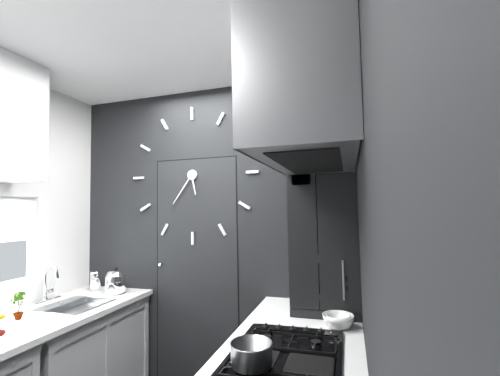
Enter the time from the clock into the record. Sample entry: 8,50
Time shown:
5,36
